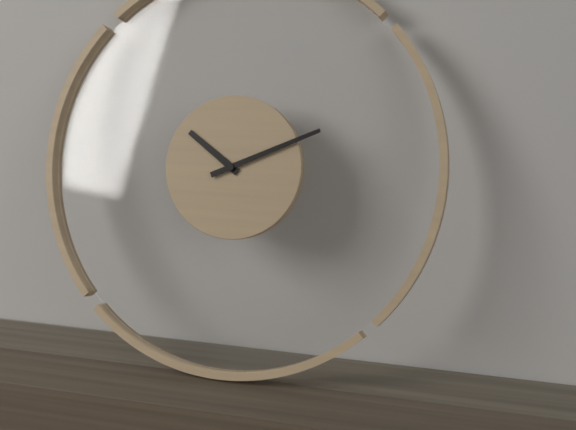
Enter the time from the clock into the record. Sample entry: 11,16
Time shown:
10,11
